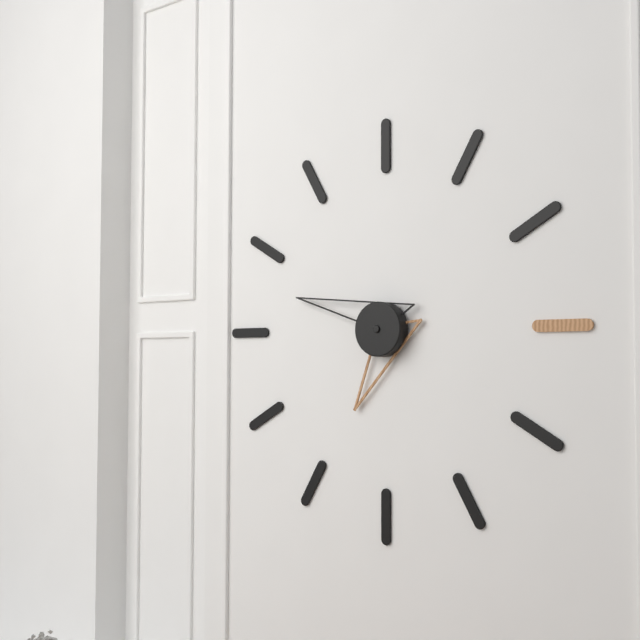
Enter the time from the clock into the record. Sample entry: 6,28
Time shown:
6,48
